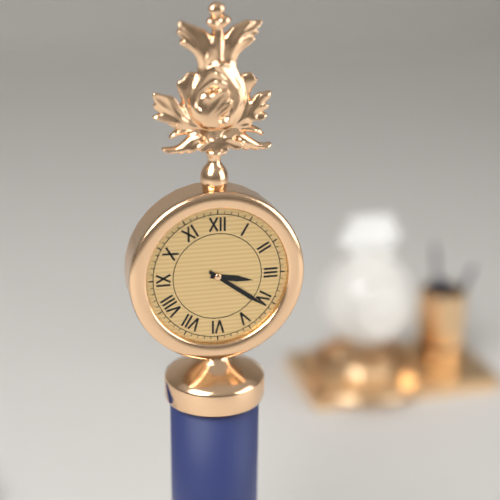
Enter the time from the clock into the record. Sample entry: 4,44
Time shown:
3,21
